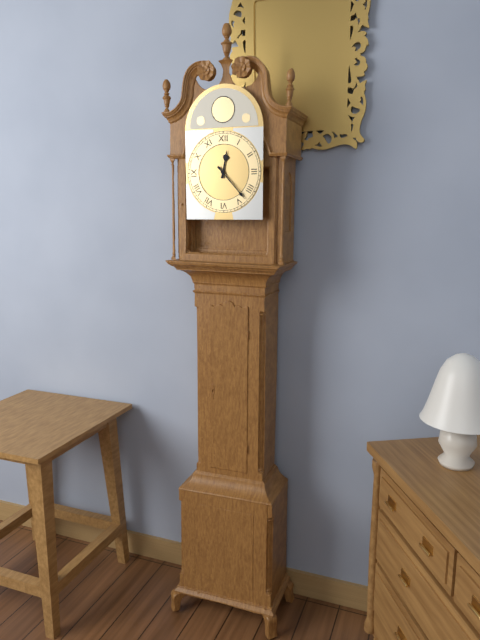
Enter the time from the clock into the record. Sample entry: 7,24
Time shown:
12,23
